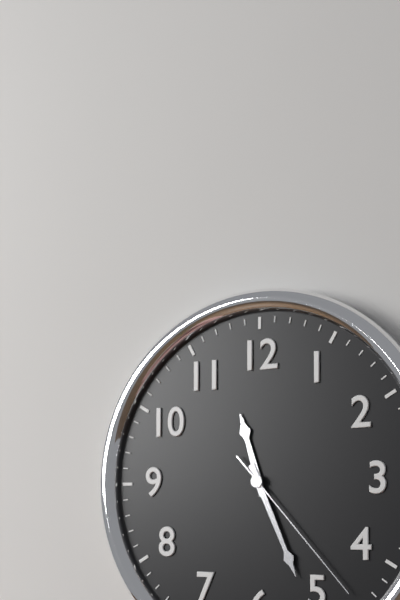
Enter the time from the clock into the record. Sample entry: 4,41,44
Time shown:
11,26,23
